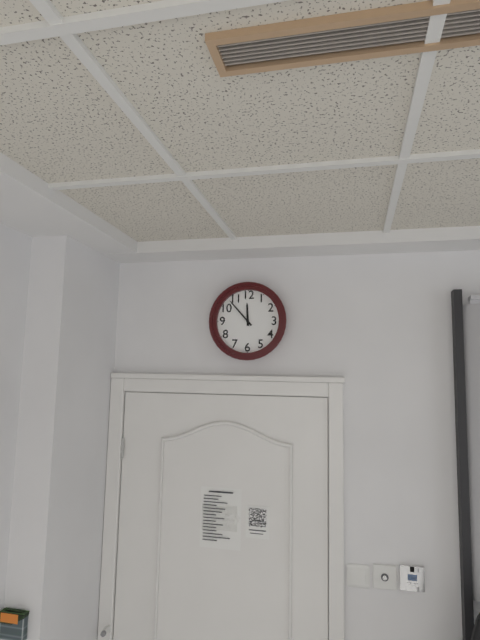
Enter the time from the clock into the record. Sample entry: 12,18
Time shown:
11,53
